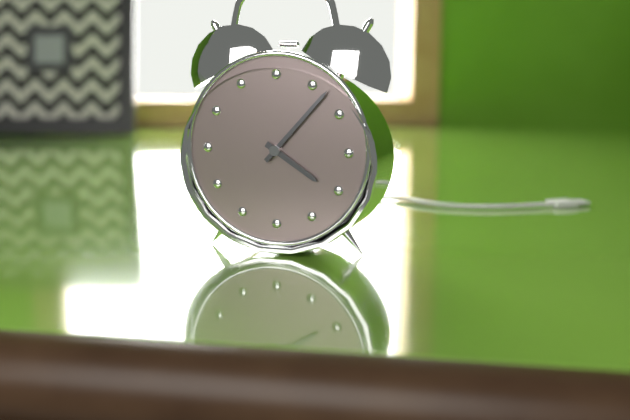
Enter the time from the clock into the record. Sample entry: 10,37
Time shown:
4,07
